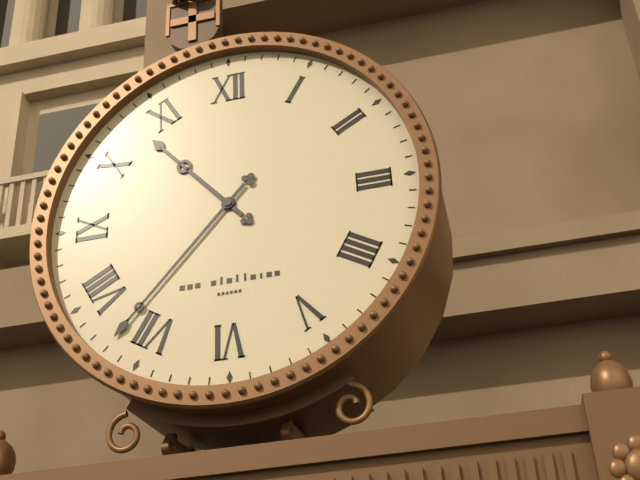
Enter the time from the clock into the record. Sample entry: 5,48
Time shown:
10,37
